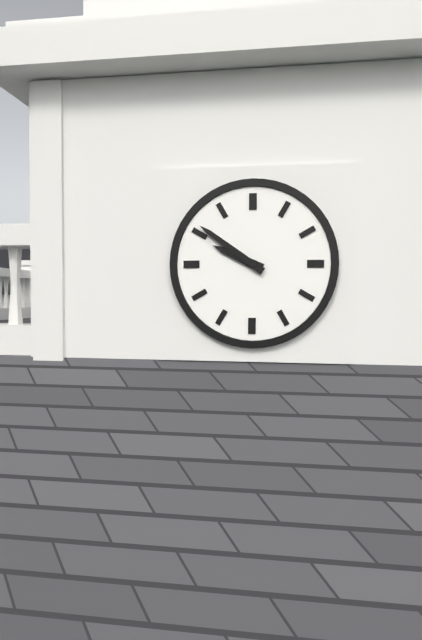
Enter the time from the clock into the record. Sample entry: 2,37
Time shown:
9,51
